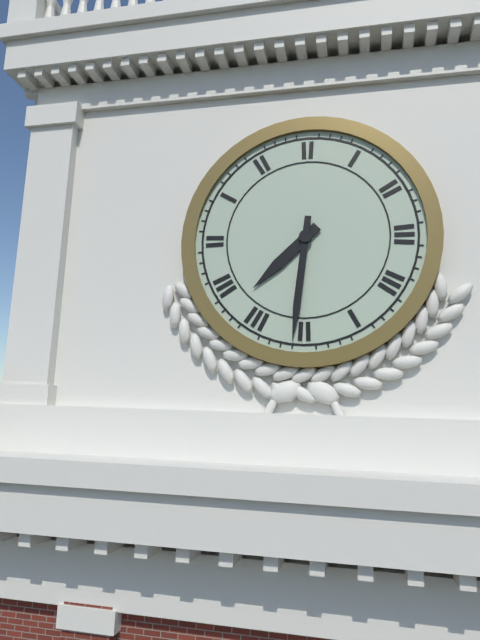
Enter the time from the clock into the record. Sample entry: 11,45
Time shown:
7,31
